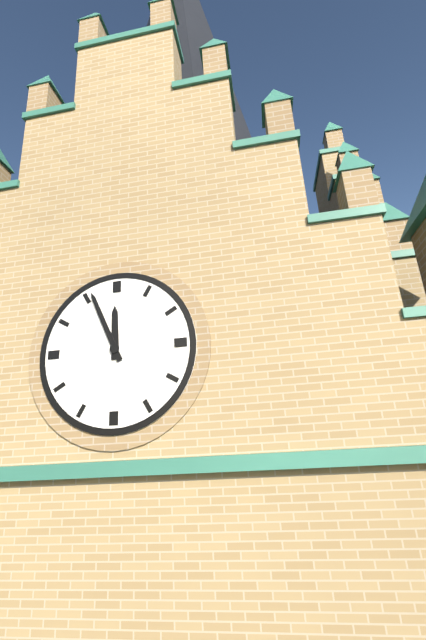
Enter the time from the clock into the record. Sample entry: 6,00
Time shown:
11,56
